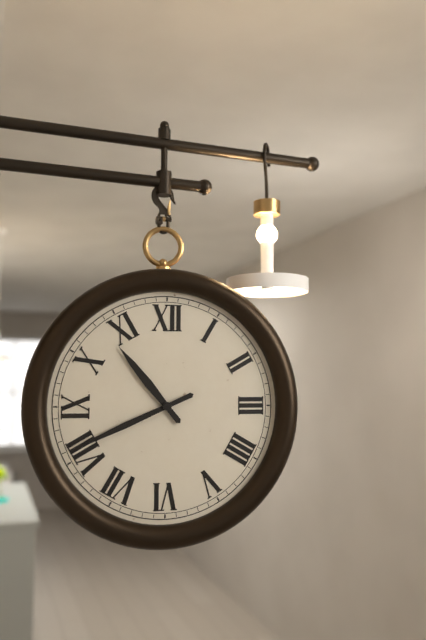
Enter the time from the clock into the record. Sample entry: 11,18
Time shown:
10,41
